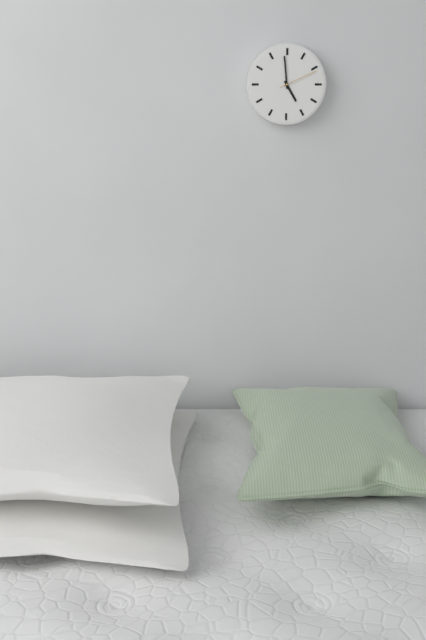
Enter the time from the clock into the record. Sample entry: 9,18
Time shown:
4,59
